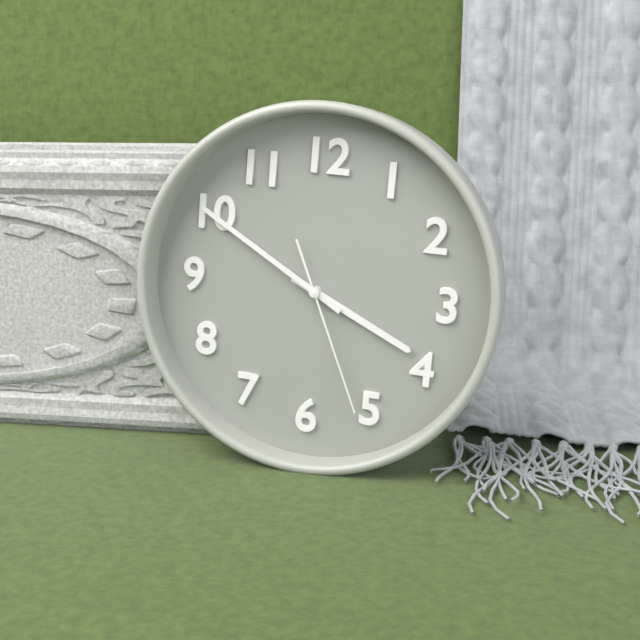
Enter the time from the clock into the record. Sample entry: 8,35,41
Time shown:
3,50,26
